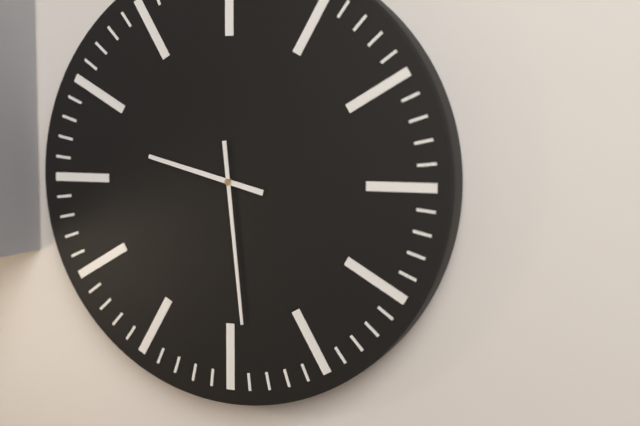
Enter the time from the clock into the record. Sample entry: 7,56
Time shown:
9,29
